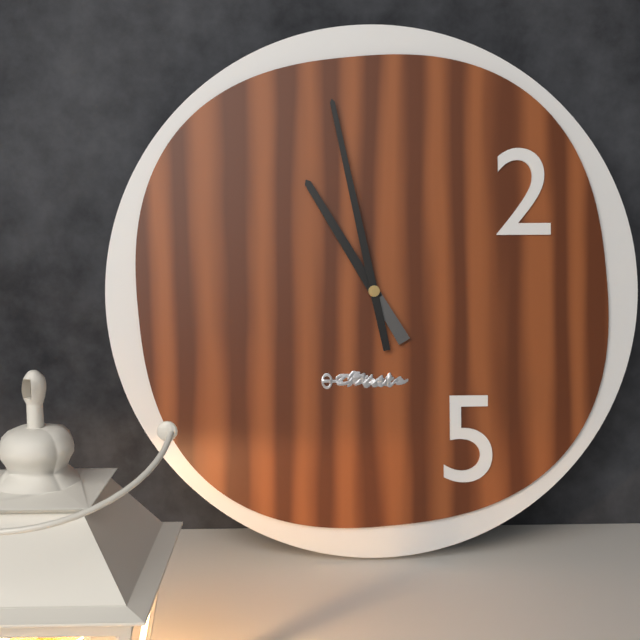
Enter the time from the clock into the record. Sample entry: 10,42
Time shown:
10,58
